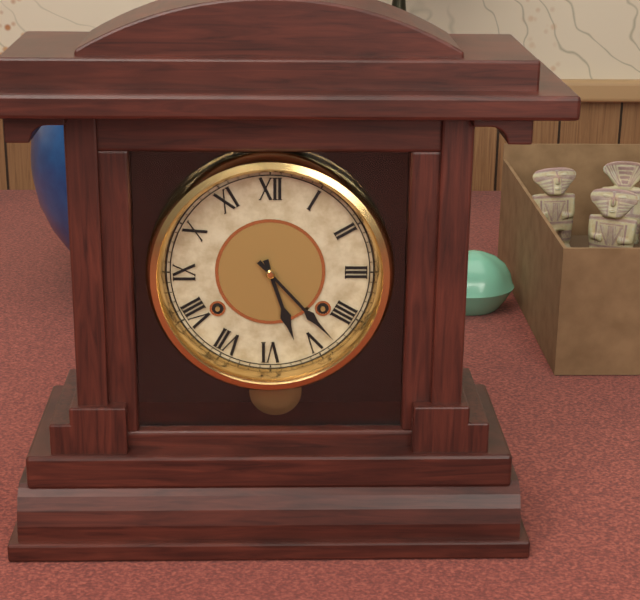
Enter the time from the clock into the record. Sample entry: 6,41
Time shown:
5,23
